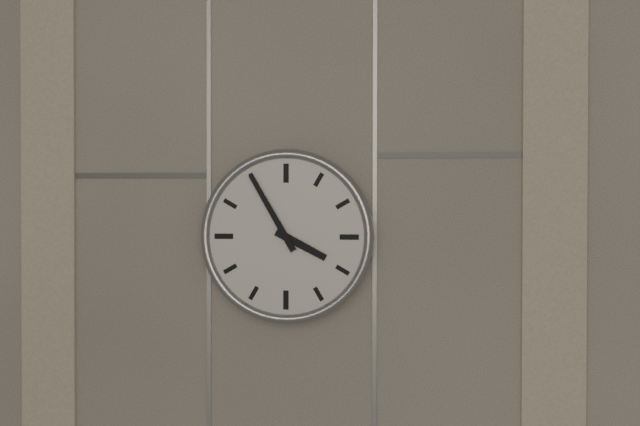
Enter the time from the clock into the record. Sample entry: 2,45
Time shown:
3,55
